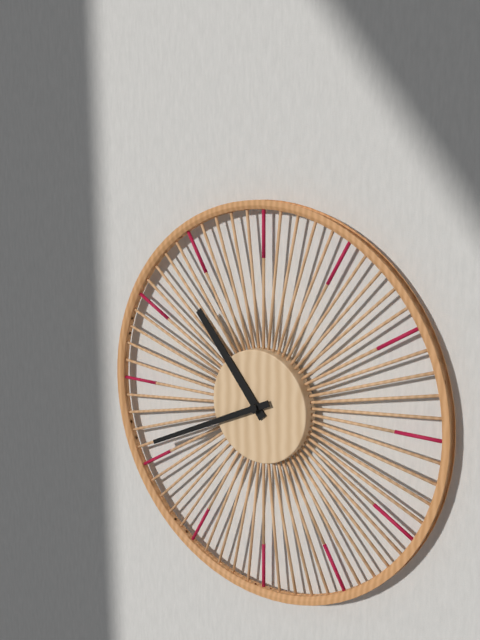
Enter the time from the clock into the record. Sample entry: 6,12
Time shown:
10,41
